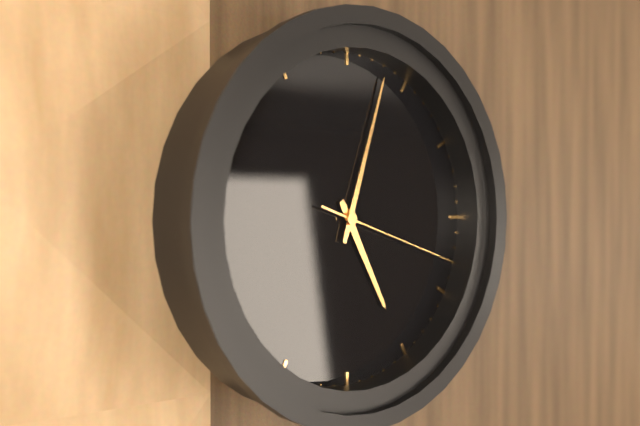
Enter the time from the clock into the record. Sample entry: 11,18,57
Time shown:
5,03,18
